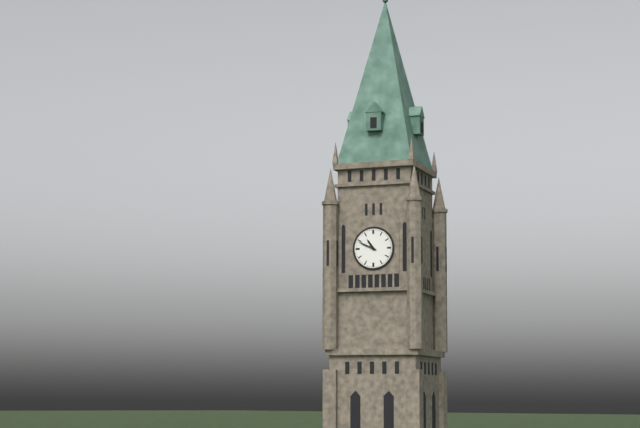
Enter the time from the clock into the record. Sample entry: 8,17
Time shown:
10,49
